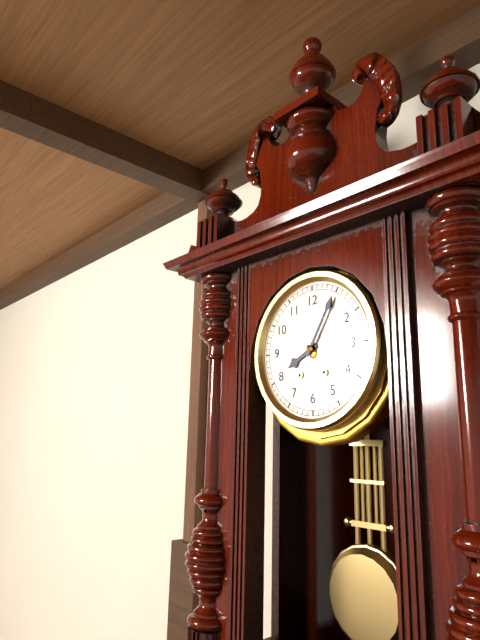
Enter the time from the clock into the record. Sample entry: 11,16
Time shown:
8,05
